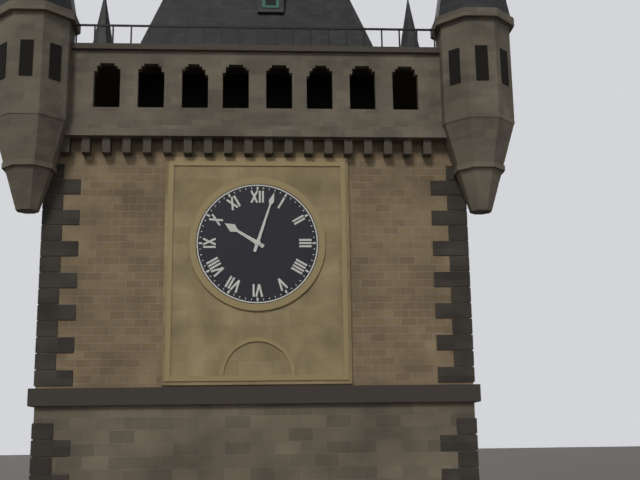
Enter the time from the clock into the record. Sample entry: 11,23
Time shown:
10,03
